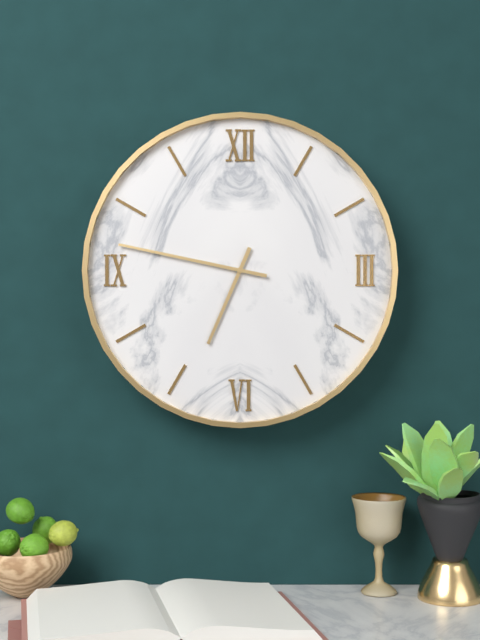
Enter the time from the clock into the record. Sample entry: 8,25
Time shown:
6,47
